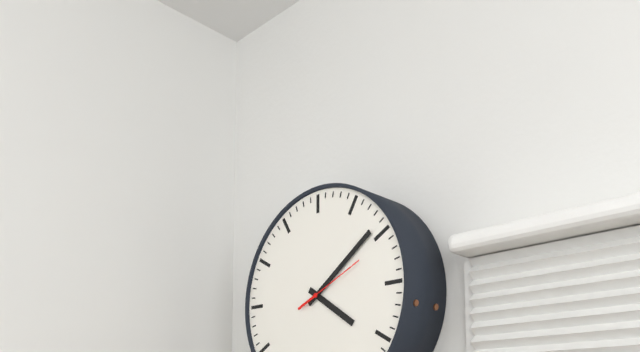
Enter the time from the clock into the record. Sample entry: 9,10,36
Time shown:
4,09,11
